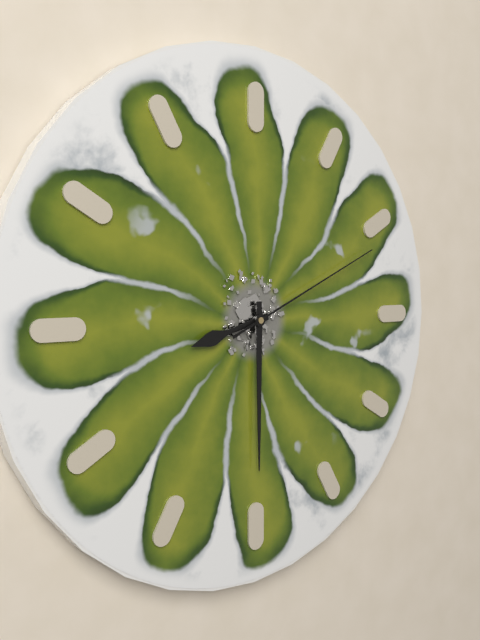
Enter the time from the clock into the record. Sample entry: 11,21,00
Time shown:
8,30,11
